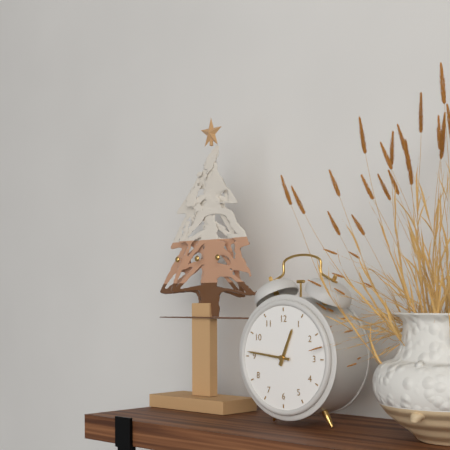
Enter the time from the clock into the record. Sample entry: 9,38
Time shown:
12,46
